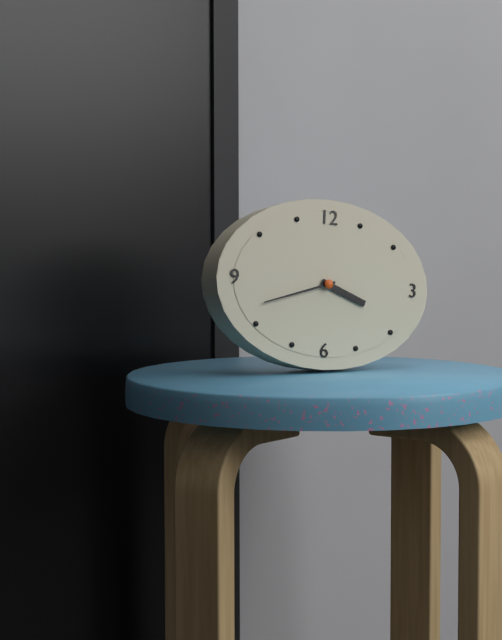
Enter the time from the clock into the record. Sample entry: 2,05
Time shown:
3,42
